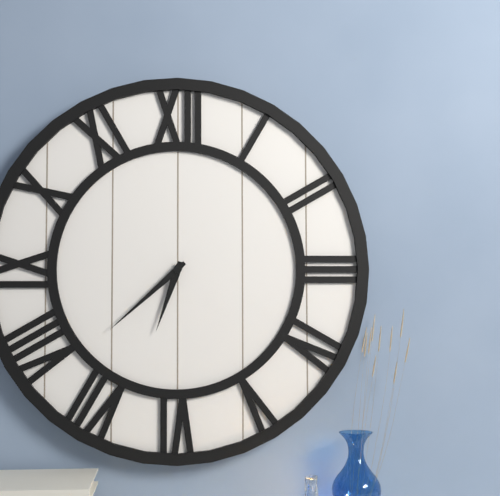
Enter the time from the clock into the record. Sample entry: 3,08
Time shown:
6,38
